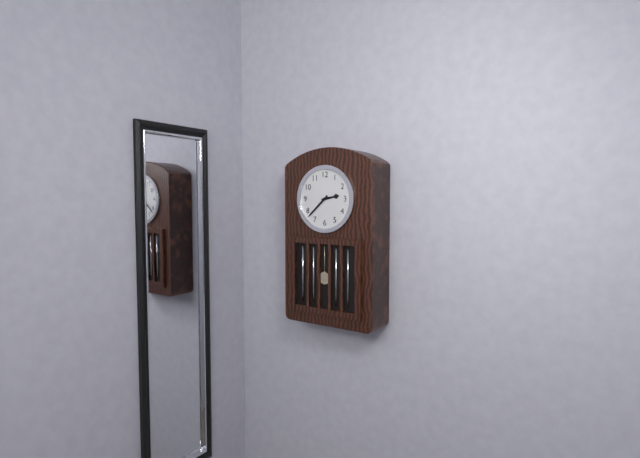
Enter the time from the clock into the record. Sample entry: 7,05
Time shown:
2,38
